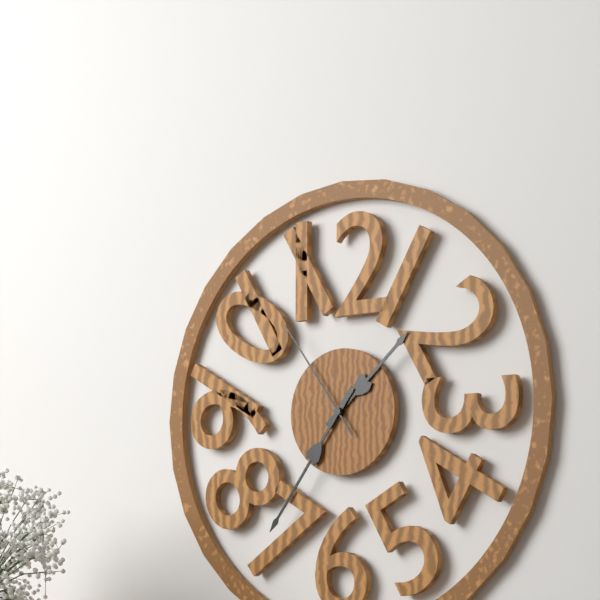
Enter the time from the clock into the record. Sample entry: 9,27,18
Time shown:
1,36,54
